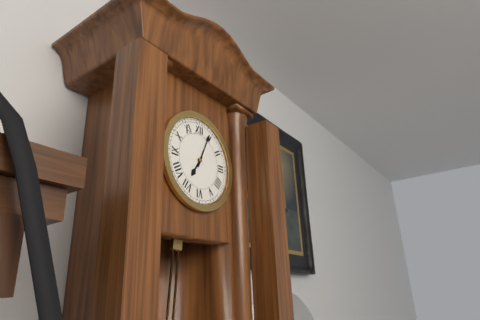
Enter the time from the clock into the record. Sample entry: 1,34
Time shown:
7,04
